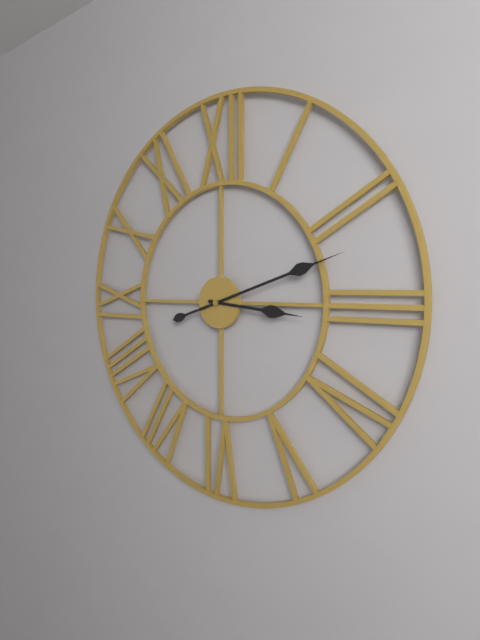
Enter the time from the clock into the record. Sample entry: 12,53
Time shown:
3,12
